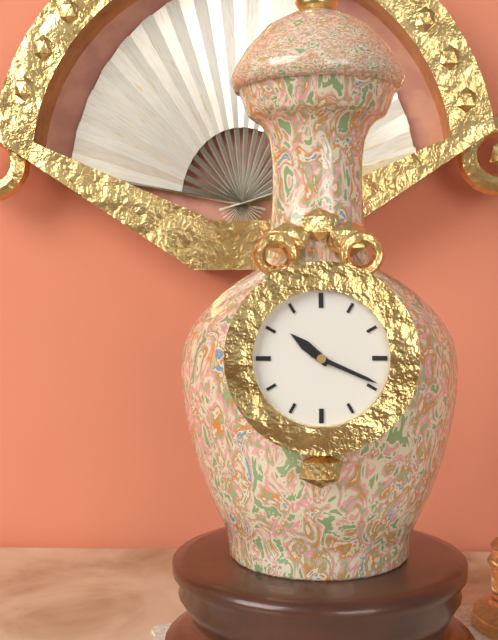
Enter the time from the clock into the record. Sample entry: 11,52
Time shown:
10,19
